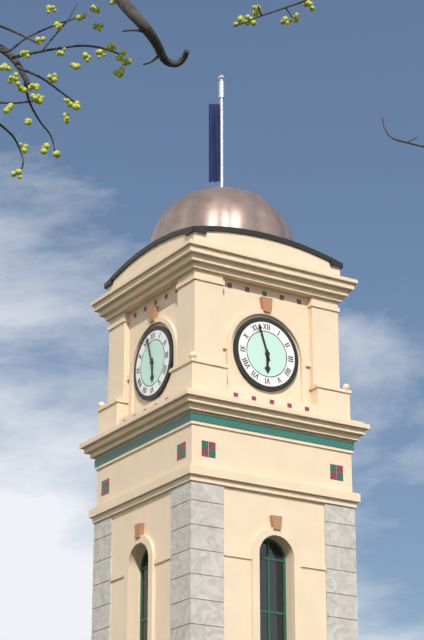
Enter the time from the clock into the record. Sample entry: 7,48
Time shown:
5,57
